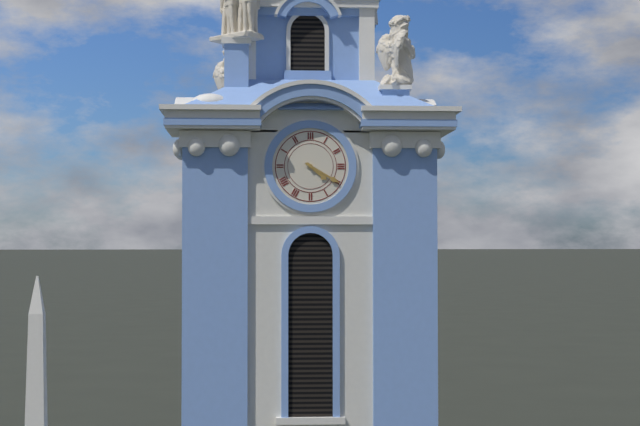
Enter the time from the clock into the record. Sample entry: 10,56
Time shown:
4,20
